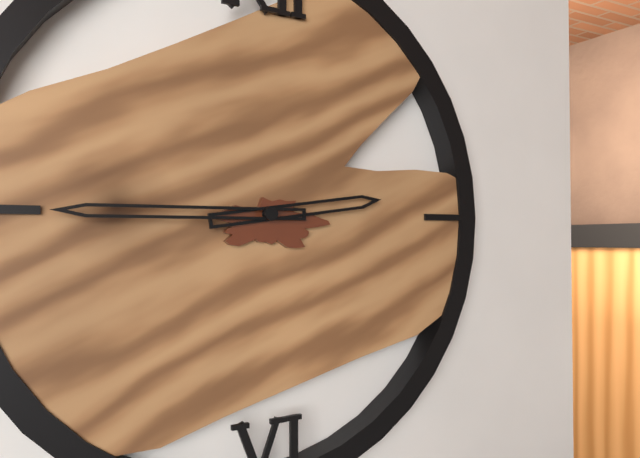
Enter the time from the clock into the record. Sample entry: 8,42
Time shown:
2,45
